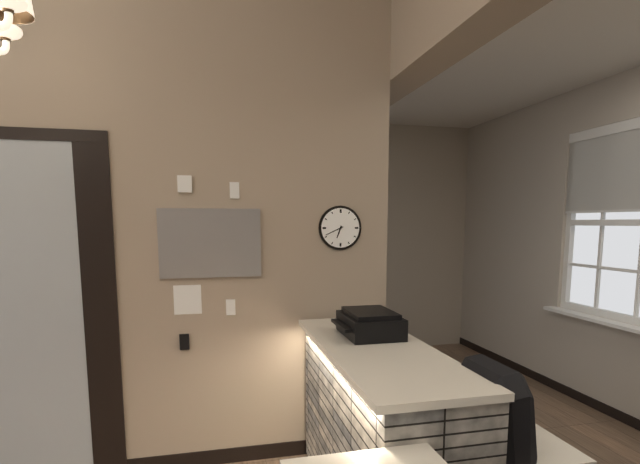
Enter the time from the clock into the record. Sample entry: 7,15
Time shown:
6,41
